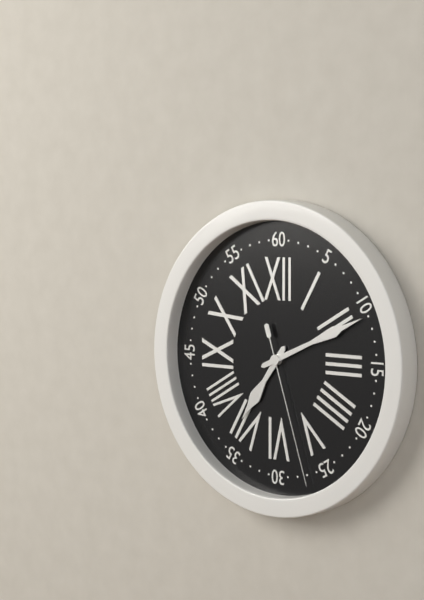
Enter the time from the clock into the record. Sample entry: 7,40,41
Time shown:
7,11,27
